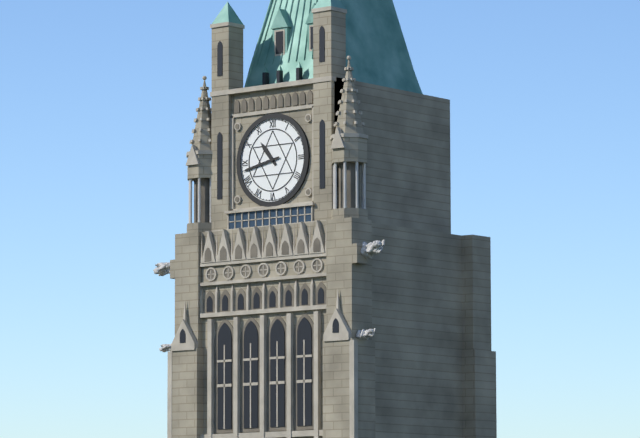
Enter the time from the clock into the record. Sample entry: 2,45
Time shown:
10,43
